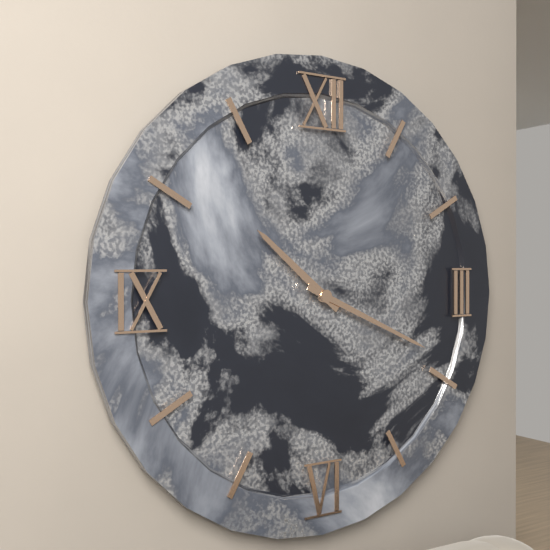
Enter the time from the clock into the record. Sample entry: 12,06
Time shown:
10,19
